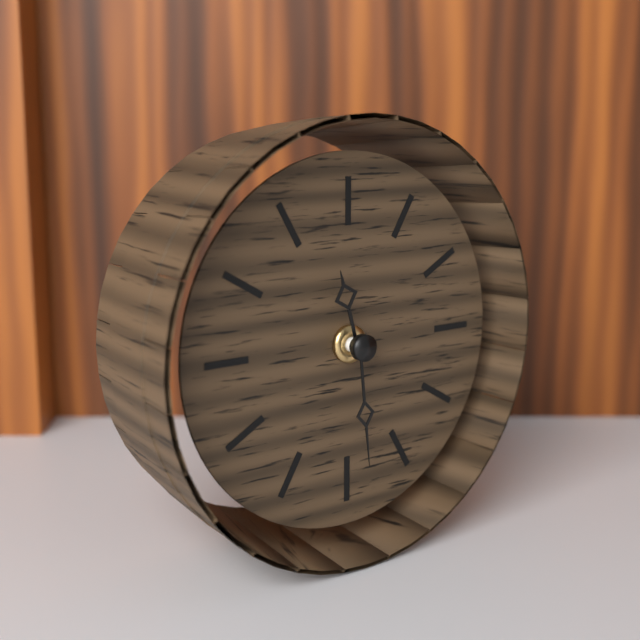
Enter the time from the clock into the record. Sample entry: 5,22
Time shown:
11,29
